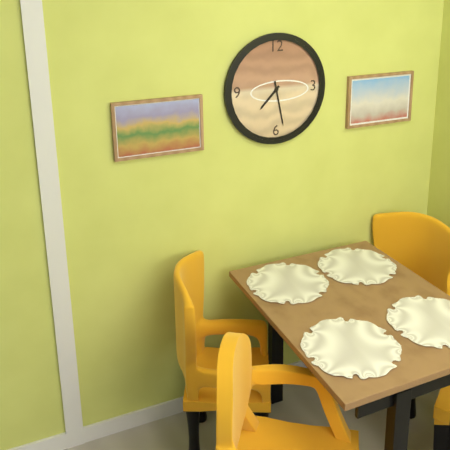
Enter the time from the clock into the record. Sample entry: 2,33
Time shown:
7,28
